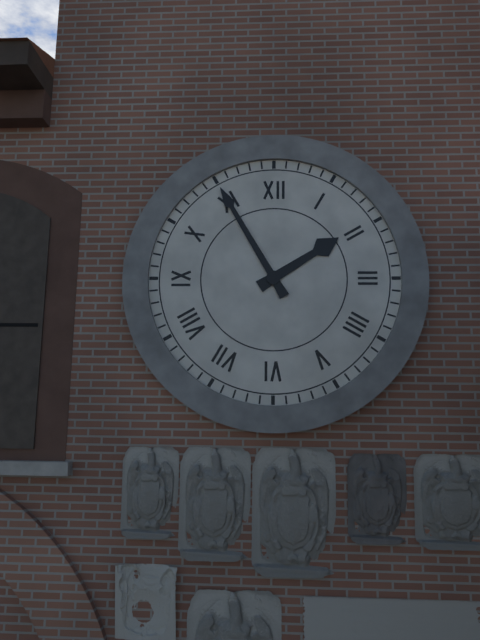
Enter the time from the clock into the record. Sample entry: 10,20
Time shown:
1,55
